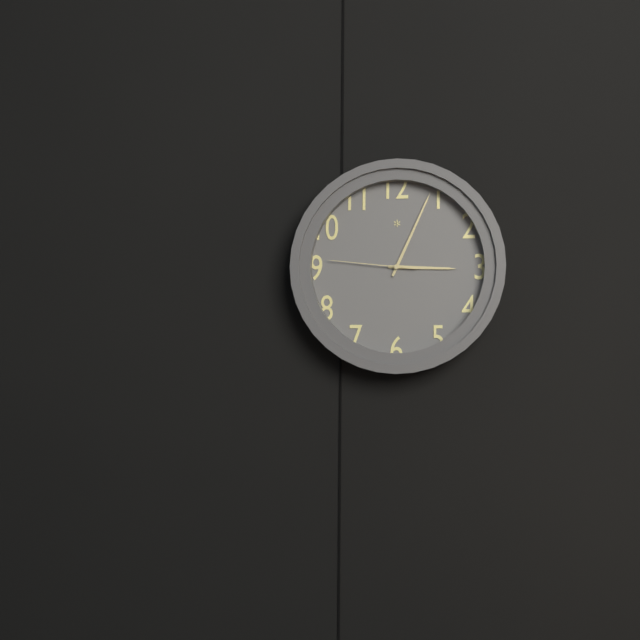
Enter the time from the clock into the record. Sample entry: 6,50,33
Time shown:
3,04,46
